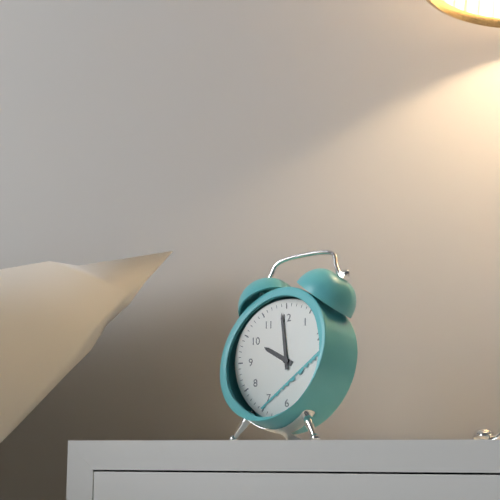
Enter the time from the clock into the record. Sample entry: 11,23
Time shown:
9,59
